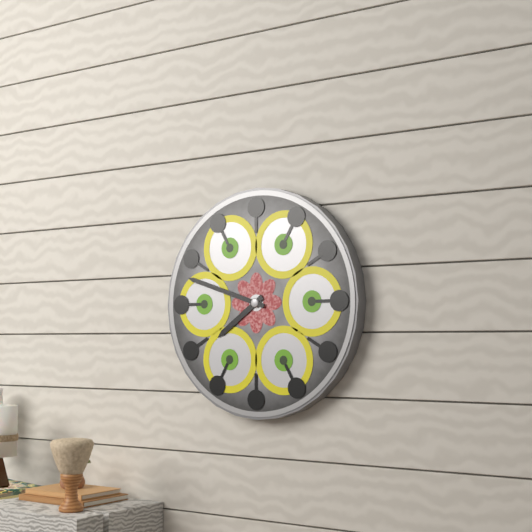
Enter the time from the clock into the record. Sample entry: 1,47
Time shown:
7,48
